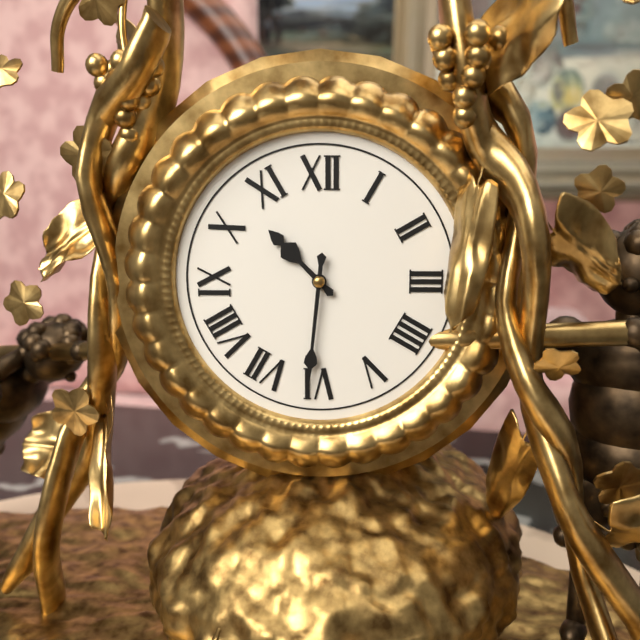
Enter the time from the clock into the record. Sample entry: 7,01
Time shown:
10,31
